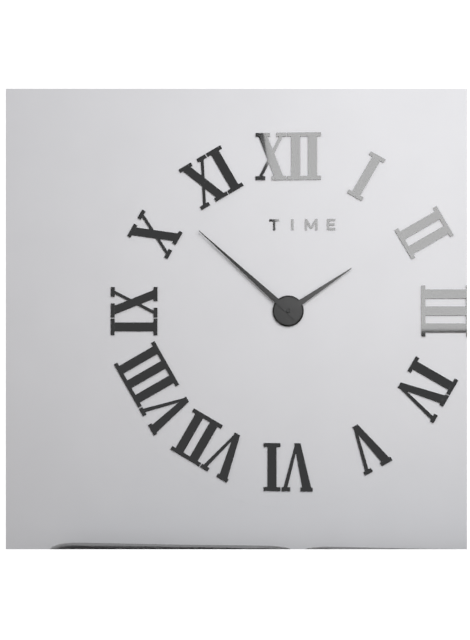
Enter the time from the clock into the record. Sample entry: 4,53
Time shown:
1,52
